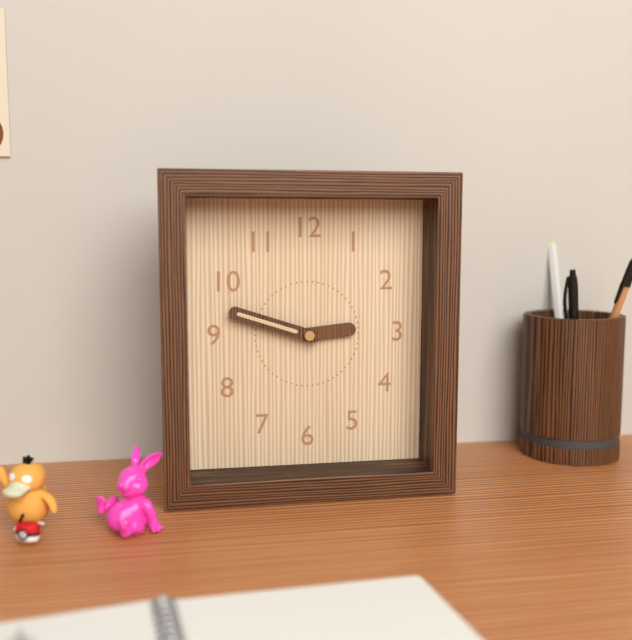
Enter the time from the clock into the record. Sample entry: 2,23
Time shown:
2,48
